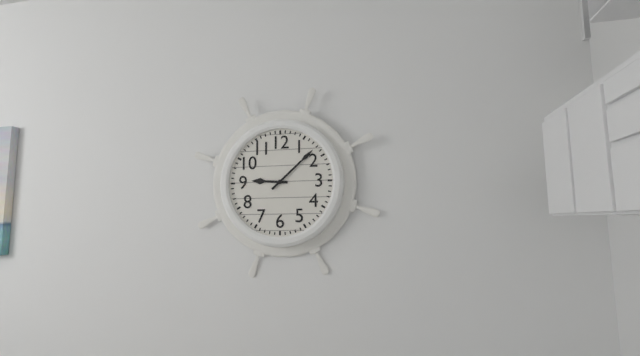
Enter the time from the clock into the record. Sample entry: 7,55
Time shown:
9,08
